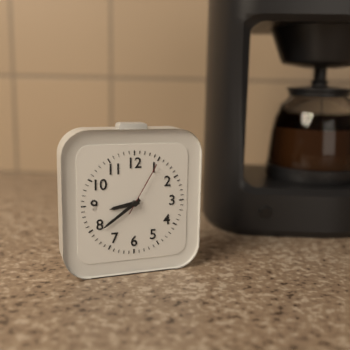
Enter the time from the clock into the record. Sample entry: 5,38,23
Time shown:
8,39,05
